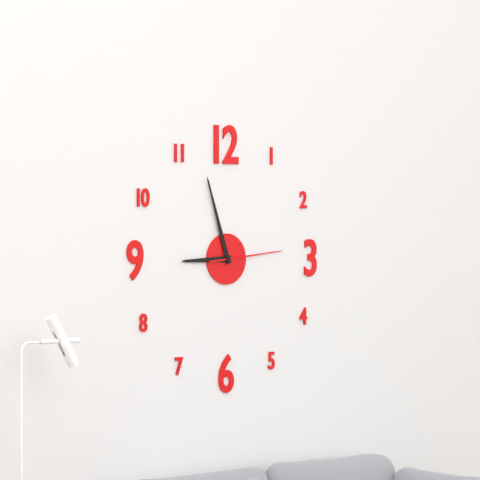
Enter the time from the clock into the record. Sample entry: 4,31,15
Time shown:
8,57,14
